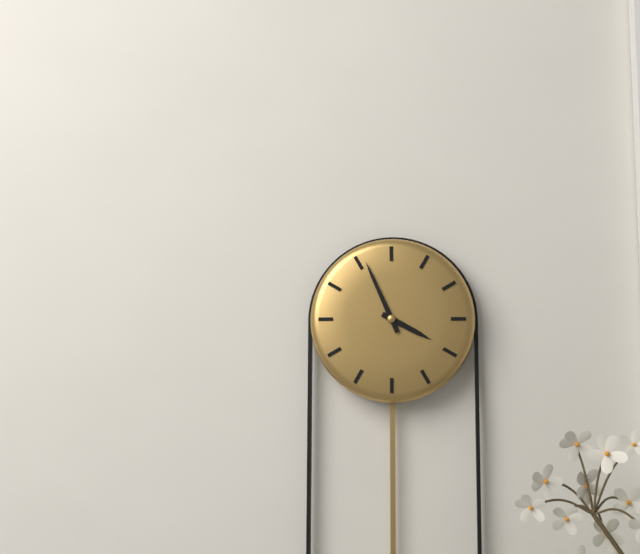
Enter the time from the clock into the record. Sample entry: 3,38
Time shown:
3,56
